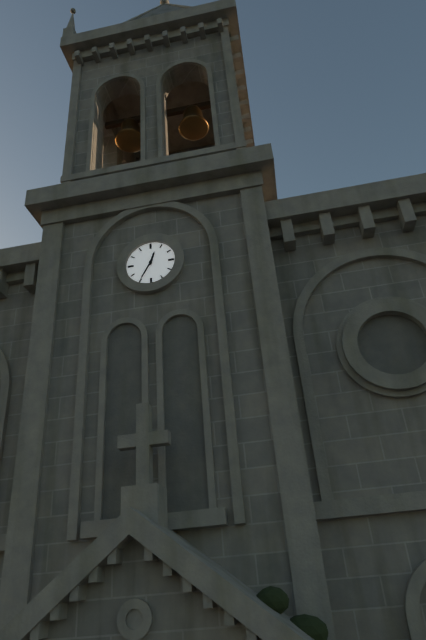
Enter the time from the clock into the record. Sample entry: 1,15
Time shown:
12,35
